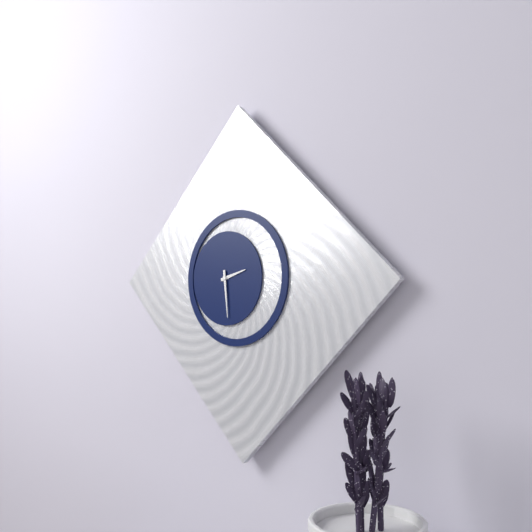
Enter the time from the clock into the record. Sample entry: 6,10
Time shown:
2,29
